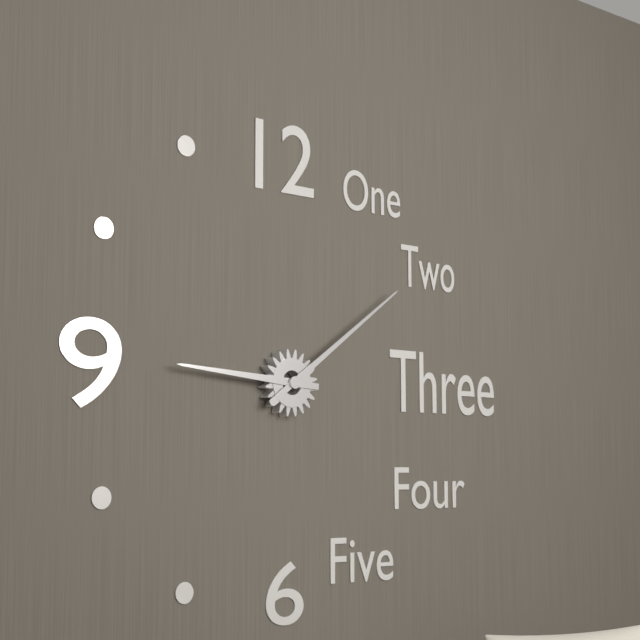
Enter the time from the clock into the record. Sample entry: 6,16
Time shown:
9,09
